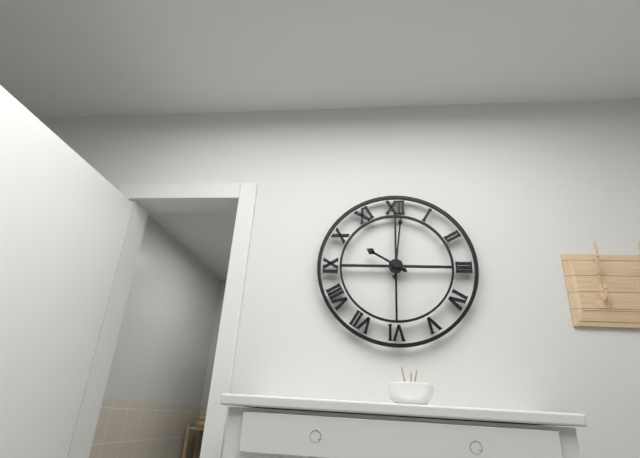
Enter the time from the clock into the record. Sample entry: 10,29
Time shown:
10,01
